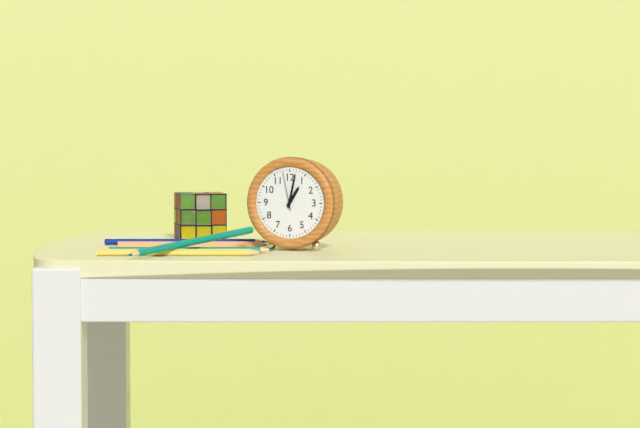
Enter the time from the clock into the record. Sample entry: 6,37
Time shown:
1,02
